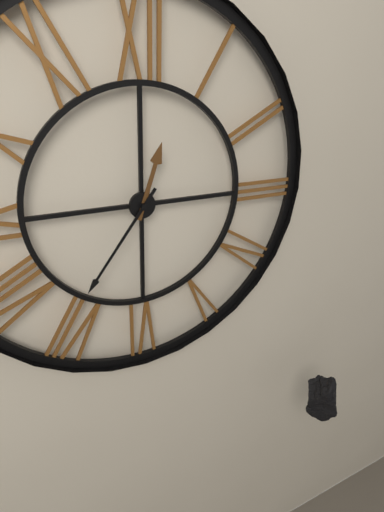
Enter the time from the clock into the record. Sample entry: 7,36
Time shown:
12,36
